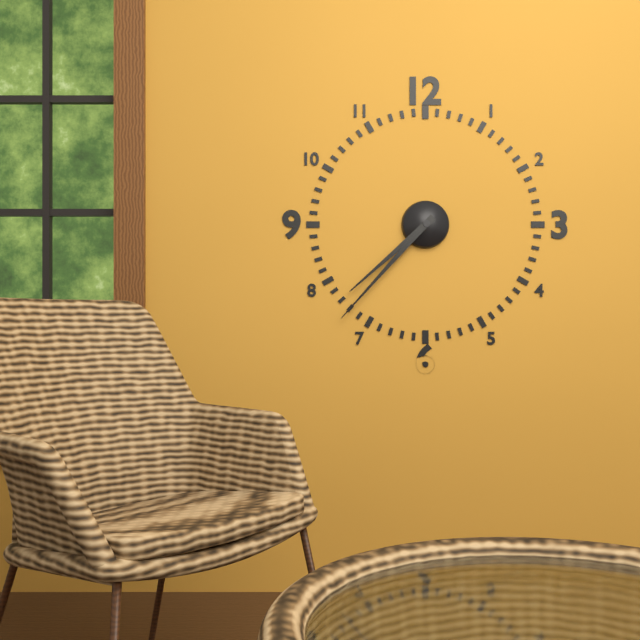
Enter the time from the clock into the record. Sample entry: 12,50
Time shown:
7,37
